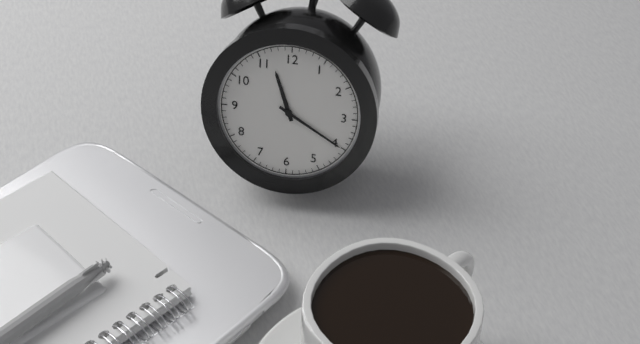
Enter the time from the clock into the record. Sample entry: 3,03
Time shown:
11,20
